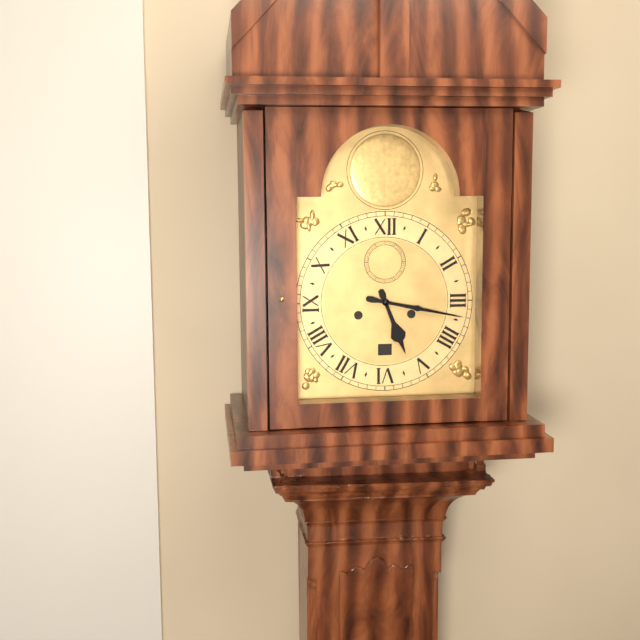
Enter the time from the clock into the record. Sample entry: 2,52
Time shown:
5,17
